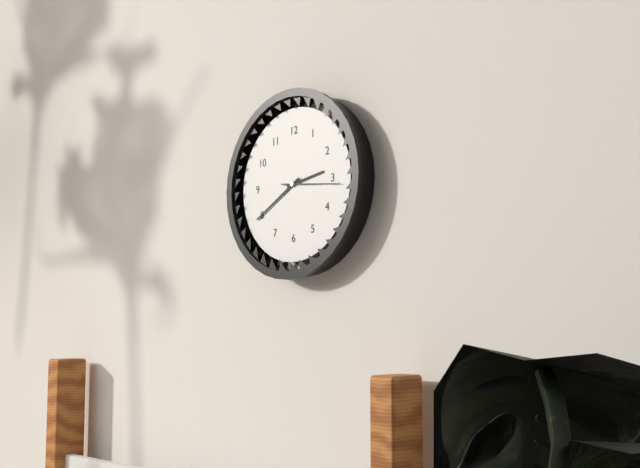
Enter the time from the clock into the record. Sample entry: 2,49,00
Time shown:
2,40,16
